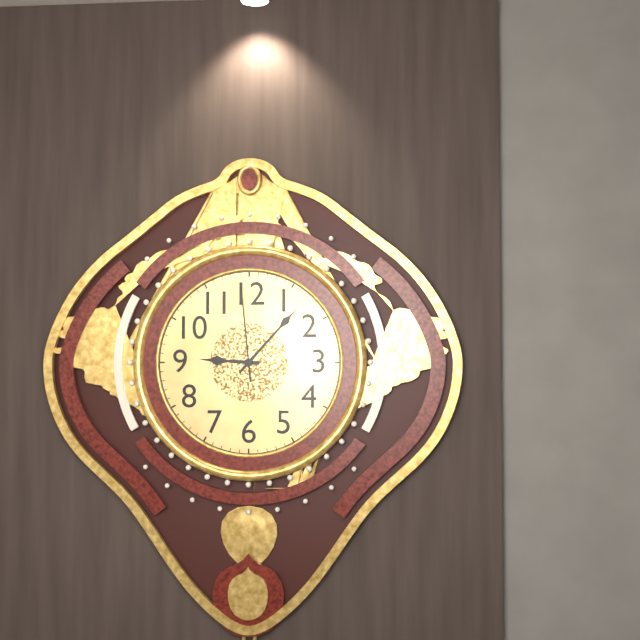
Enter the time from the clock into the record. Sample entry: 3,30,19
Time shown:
9,07,59
